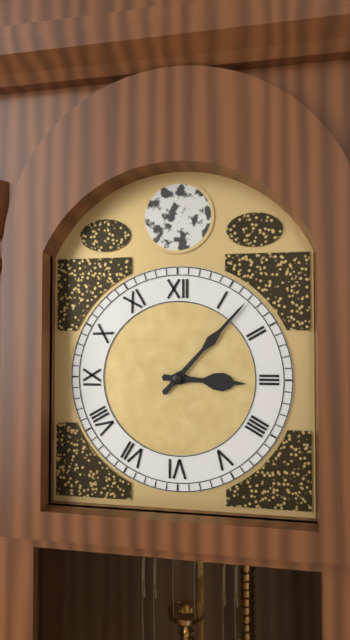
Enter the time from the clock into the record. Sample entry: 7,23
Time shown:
3,07
